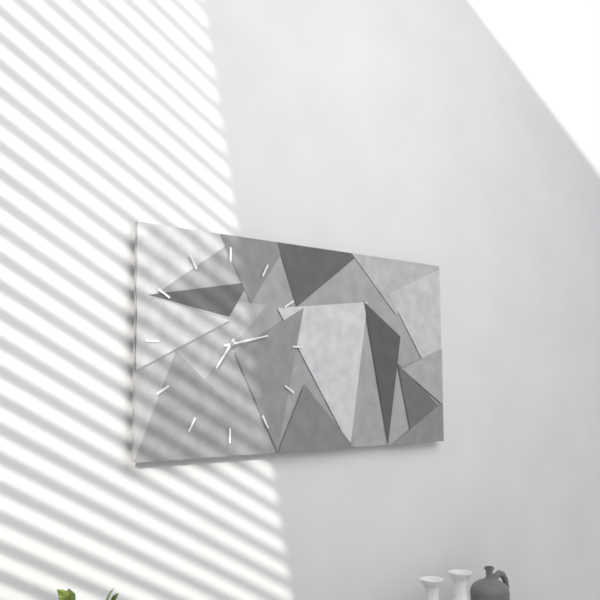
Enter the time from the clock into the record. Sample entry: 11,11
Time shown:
7,13
